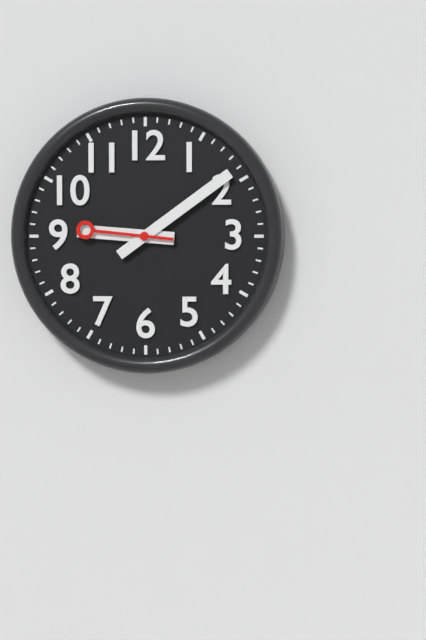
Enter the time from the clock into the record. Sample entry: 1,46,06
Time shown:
9,09,46
